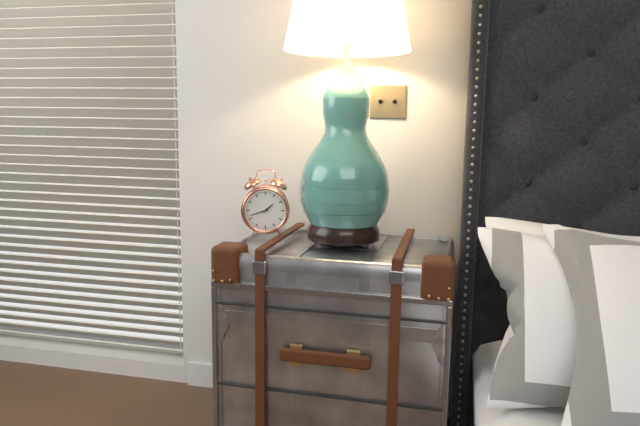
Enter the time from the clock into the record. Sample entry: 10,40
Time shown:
1,42
